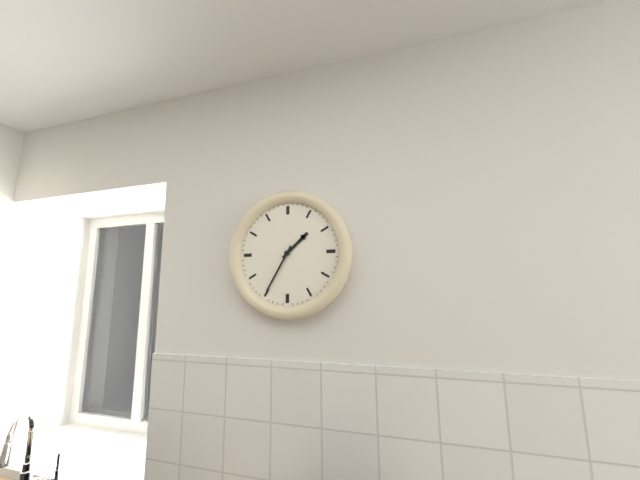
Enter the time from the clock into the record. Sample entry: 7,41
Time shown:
1,35
